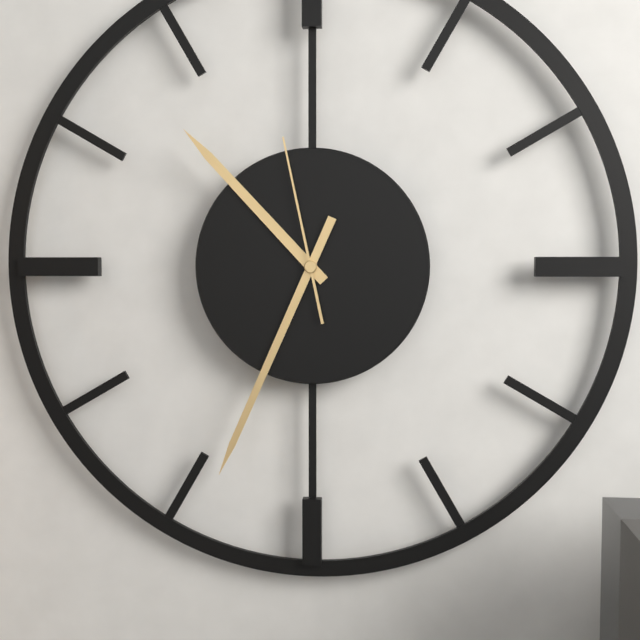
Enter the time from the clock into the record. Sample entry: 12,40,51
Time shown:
10,34,58
